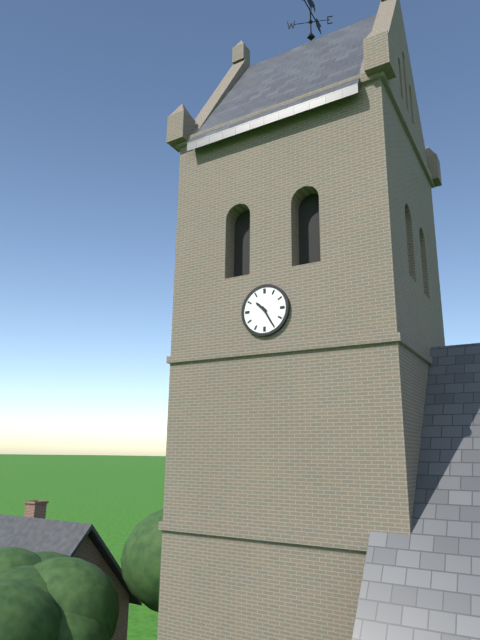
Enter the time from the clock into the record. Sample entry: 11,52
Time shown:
10,25
